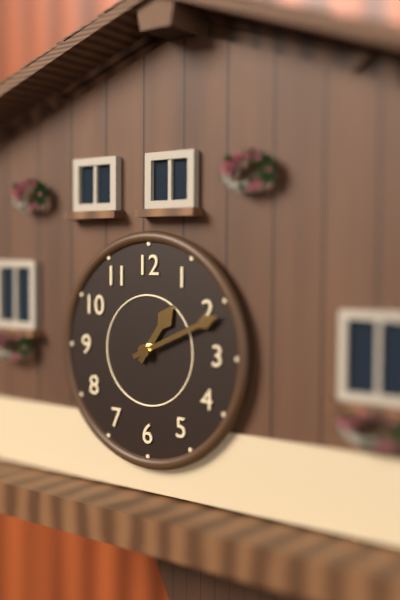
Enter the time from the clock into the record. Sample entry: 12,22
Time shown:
1,11
